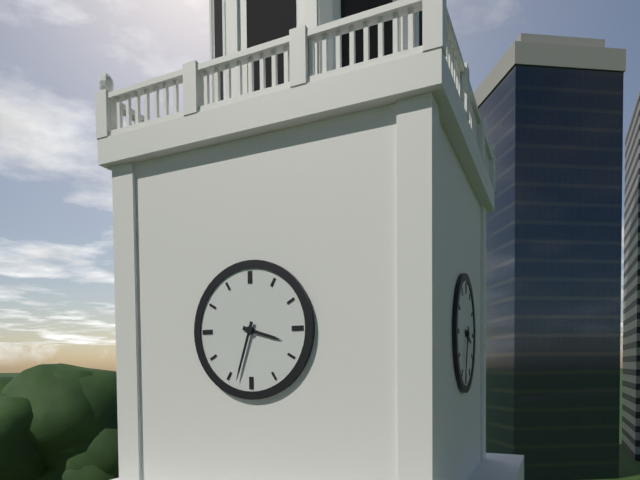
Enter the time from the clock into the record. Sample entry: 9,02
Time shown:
3,33
